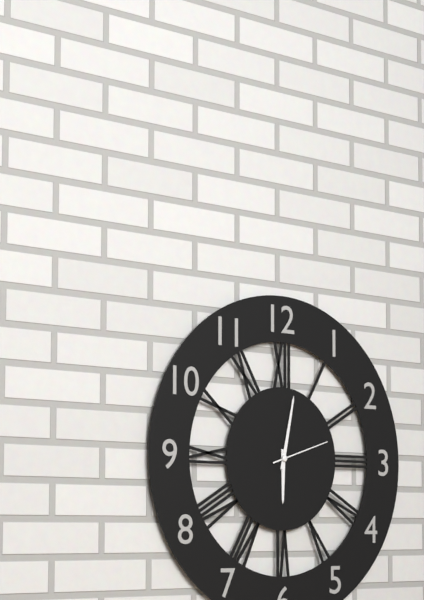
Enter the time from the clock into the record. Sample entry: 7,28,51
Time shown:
6,02,12
